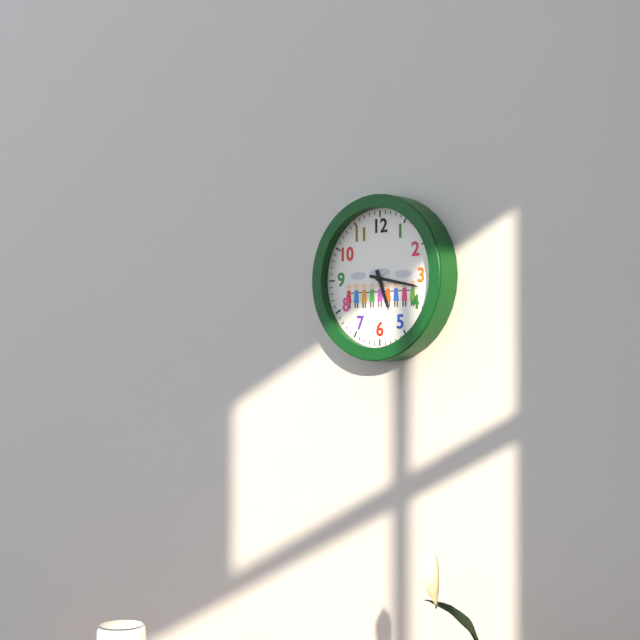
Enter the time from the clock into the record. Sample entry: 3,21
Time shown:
5,17
